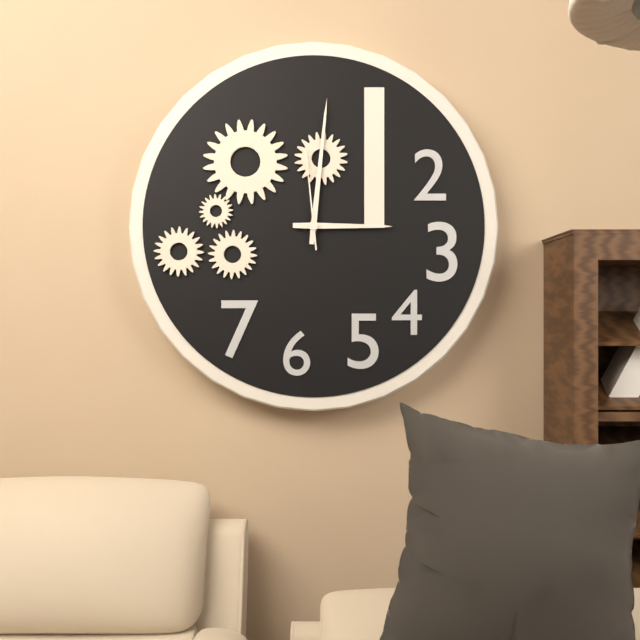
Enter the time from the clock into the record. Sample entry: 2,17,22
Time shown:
3,01,59
